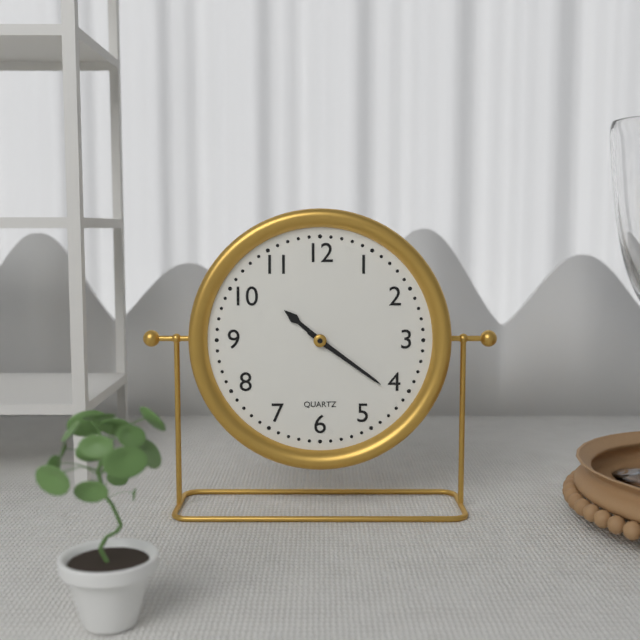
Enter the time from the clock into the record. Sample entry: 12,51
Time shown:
10,21
